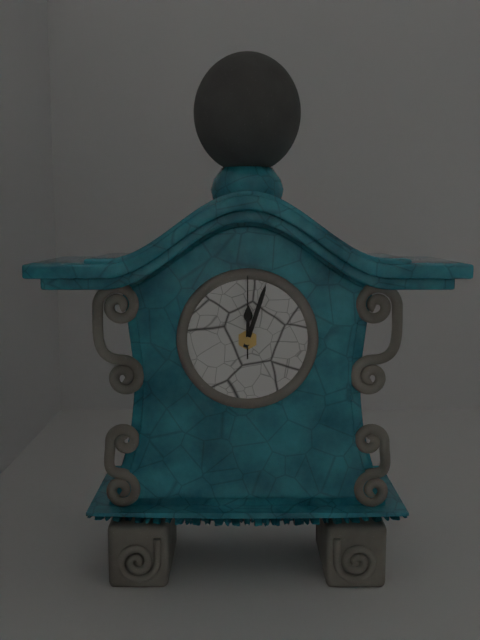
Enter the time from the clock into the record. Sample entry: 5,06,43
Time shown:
12,03,00
